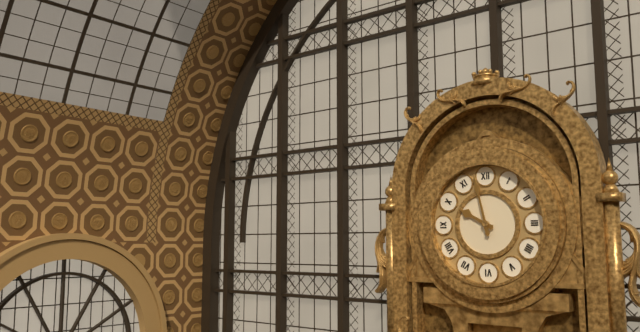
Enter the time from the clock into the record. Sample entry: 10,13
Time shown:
9,58
